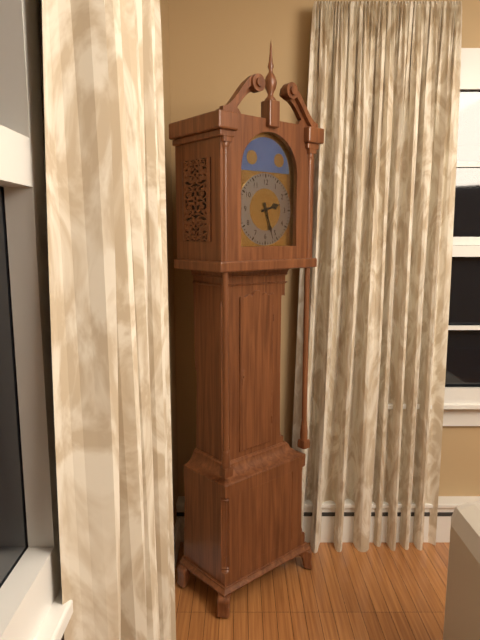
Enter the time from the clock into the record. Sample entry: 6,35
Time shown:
2,27
